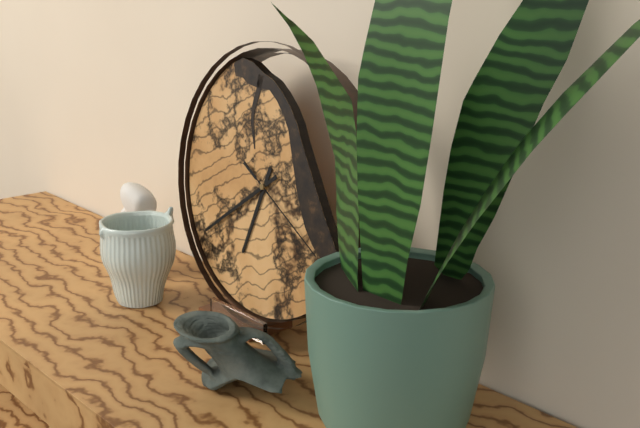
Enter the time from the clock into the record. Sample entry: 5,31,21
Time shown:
6,39,20
